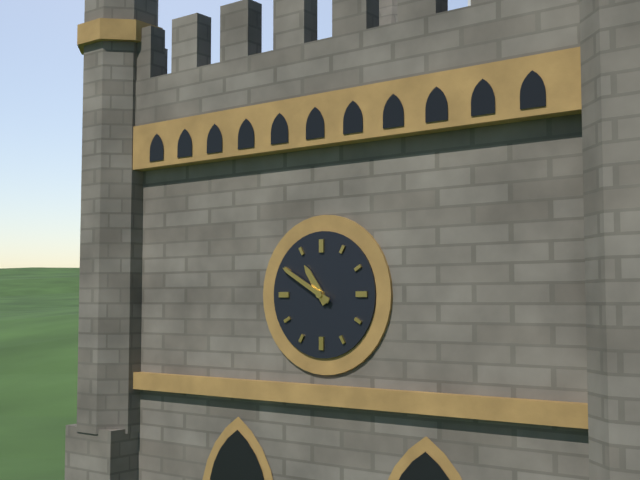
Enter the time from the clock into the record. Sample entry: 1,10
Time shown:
10,50
